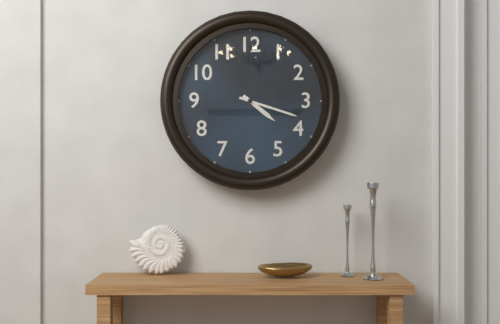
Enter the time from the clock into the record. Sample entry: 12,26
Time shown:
4,18
